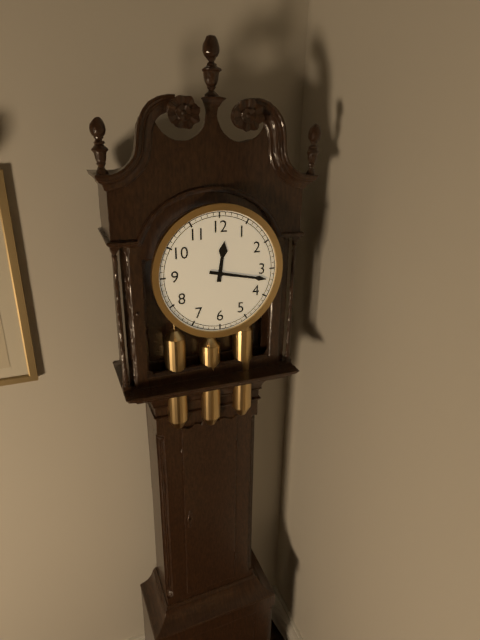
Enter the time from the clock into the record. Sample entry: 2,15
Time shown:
12,17
